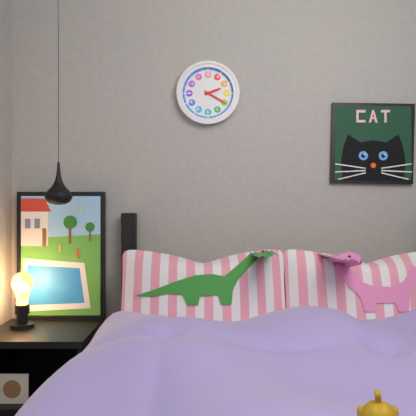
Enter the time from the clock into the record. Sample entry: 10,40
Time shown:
2,20
